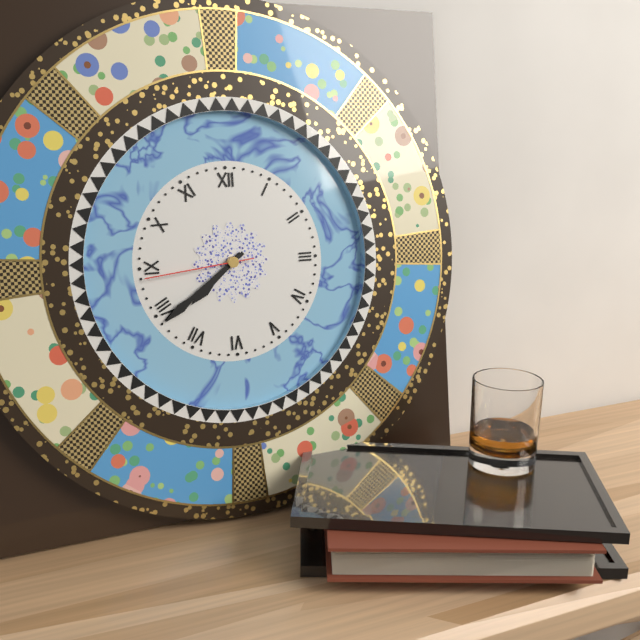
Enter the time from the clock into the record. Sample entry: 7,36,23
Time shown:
7,39,44
